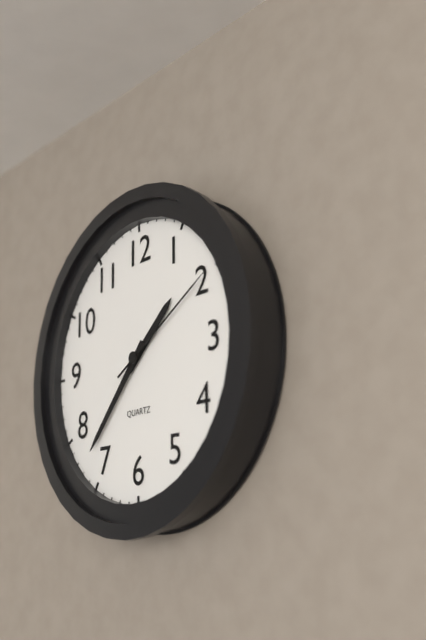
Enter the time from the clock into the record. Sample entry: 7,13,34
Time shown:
1,37,10
